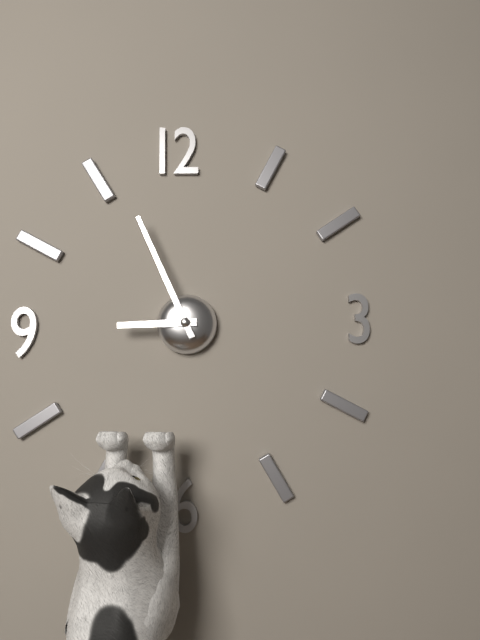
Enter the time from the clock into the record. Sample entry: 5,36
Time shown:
8,56
